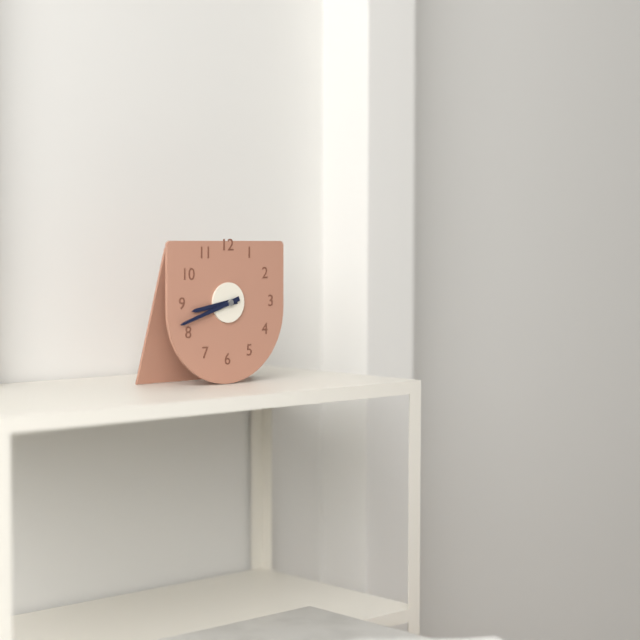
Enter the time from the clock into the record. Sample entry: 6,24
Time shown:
8,42
